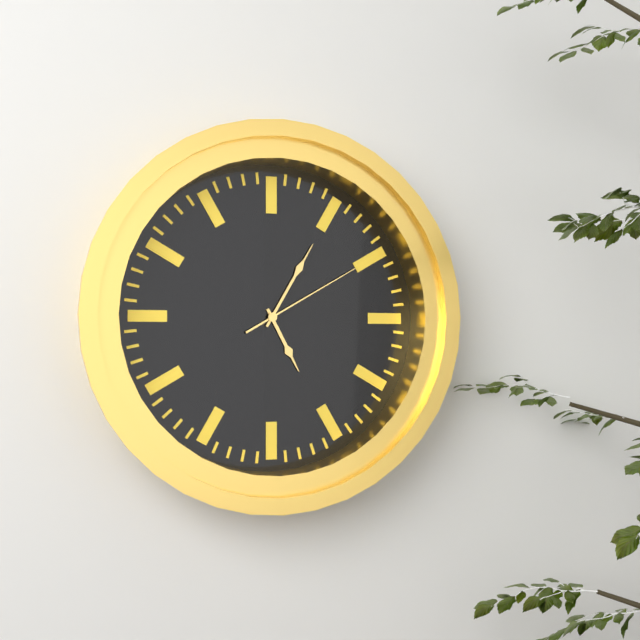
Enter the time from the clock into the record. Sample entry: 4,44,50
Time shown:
5,05,10
